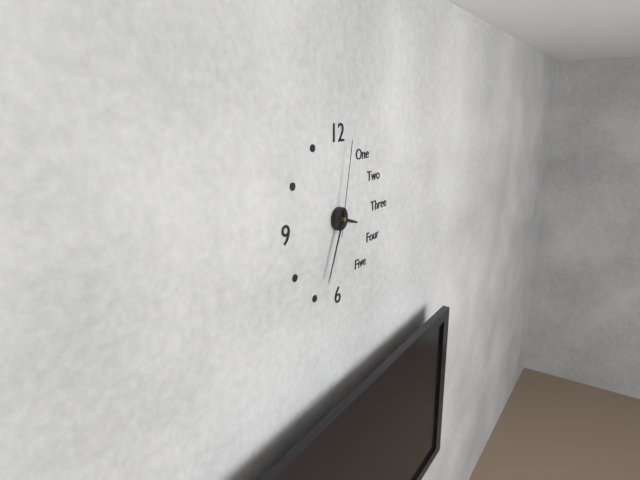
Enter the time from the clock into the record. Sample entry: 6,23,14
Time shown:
3,34,02
